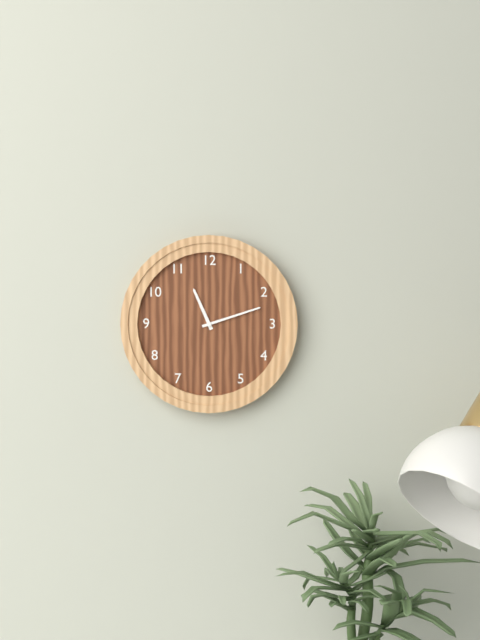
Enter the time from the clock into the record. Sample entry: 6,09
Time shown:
11,12
